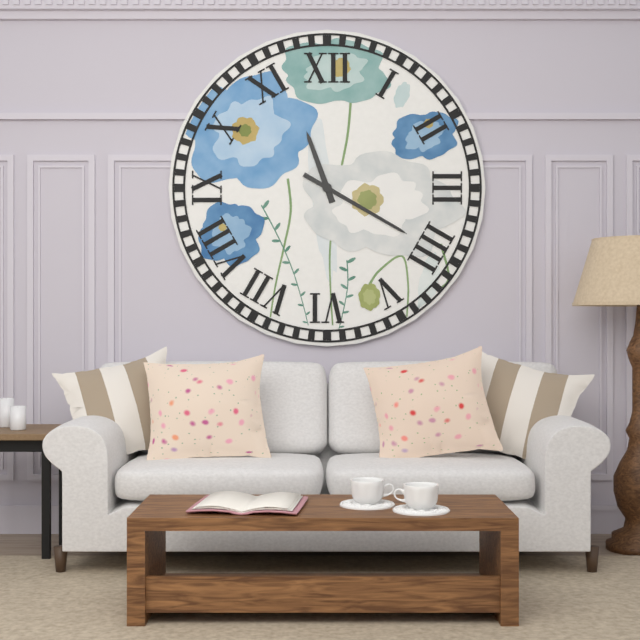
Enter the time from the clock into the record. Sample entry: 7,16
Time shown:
11,20
